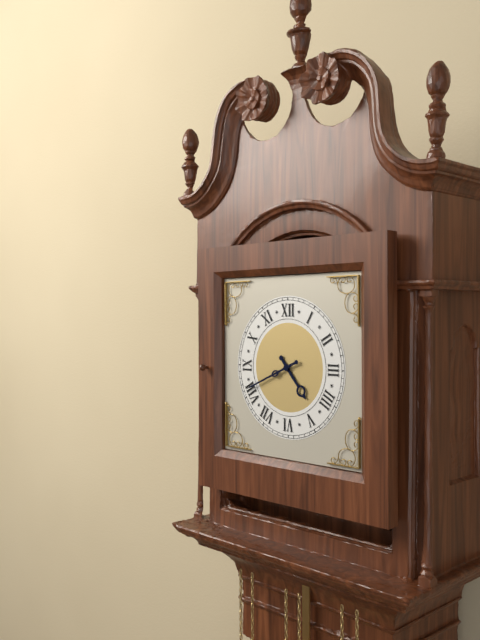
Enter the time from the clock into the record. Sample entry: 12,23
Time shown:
4,41
